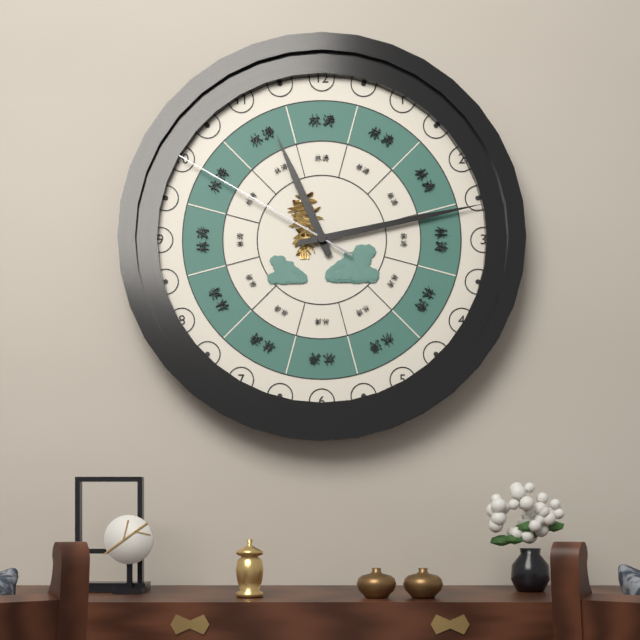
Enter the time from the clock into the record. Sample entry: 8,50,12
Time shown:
11,13,50
